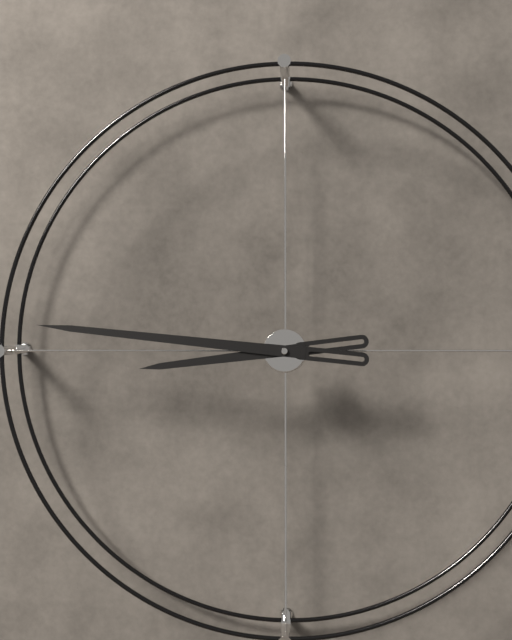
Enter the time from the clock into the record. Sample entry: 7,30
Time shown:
8,46
